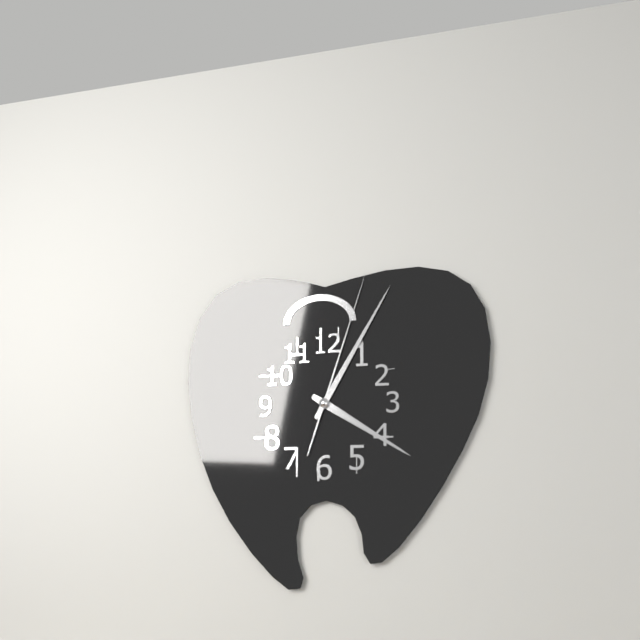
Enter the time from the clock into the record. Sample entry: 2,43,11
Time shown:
4,05,03
